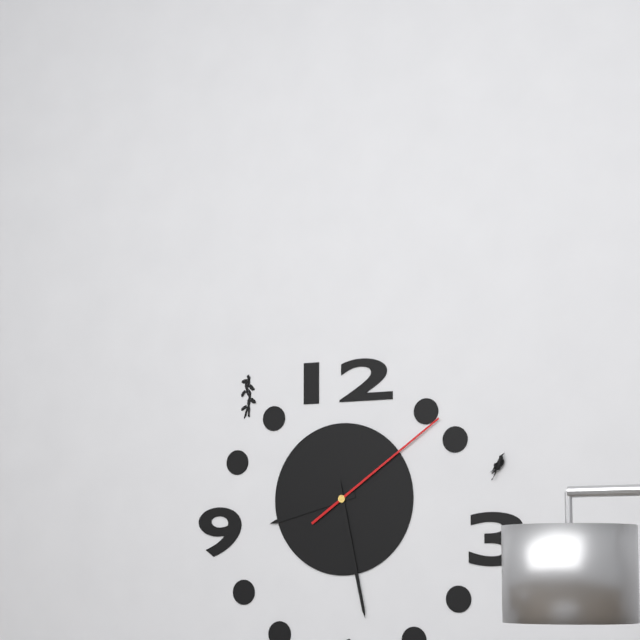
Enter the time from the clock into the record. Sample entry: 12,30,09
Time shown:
8,28,09
